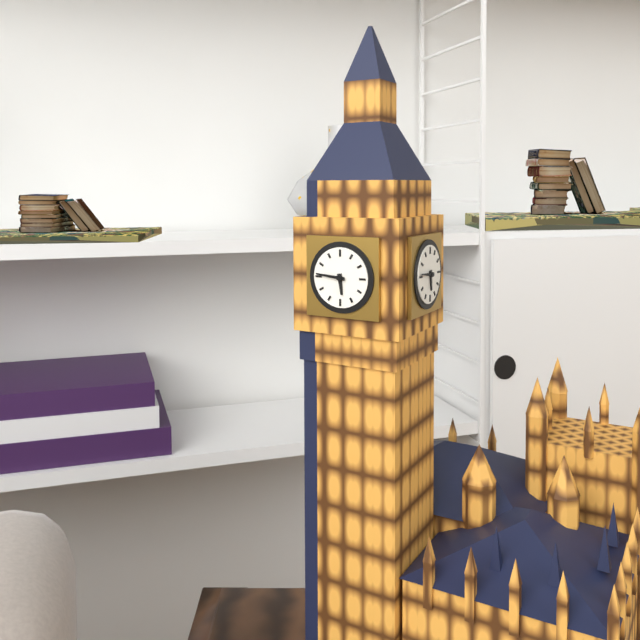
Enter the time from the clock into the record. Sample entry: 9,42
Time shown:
5,46
